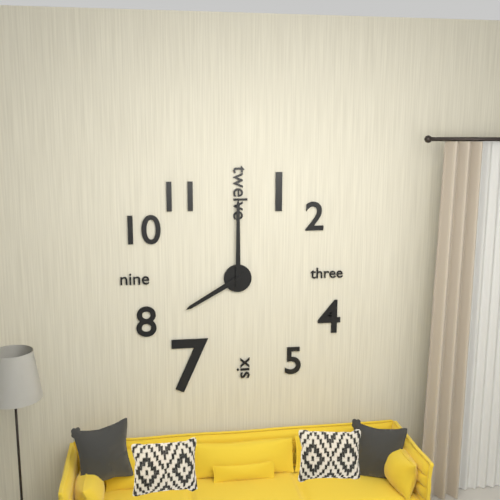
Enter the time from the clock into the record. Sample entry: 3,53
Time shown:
8,00
